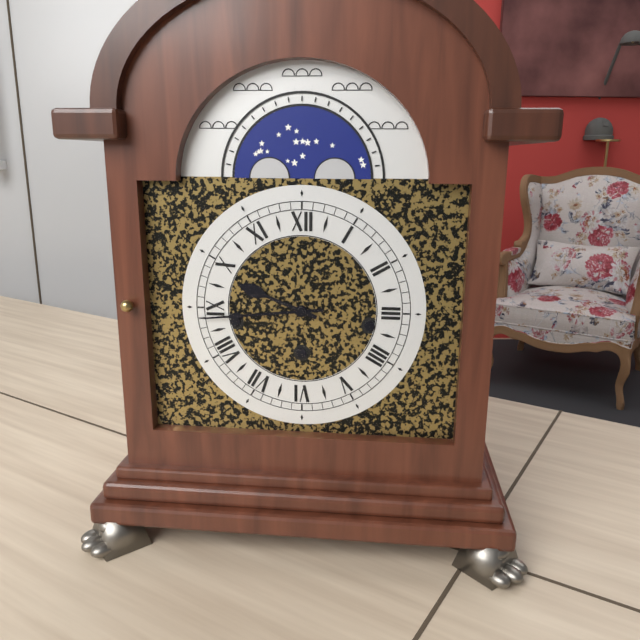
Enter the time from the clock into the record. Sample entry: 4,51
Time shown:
9,44
